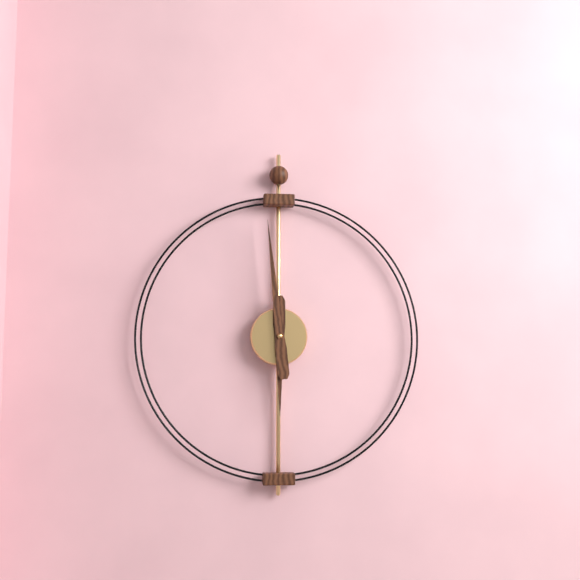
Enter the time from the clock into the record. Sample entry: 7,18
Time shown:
5,59
